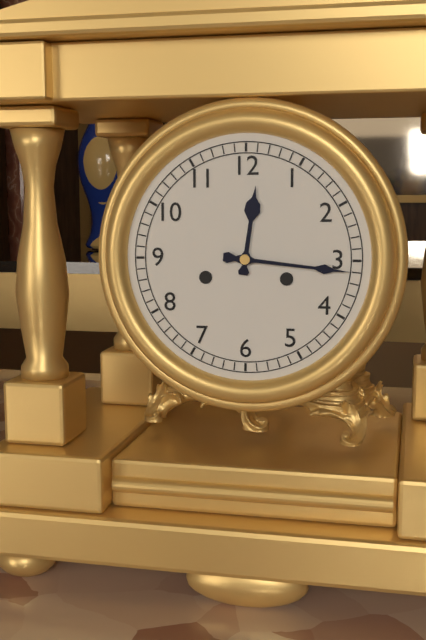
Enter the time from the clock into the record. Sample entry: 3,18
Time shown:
12,16
